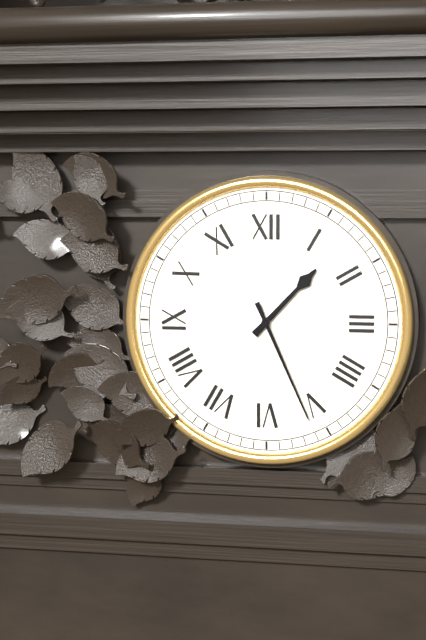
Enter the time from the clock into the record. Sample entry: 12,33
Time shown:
1,26
